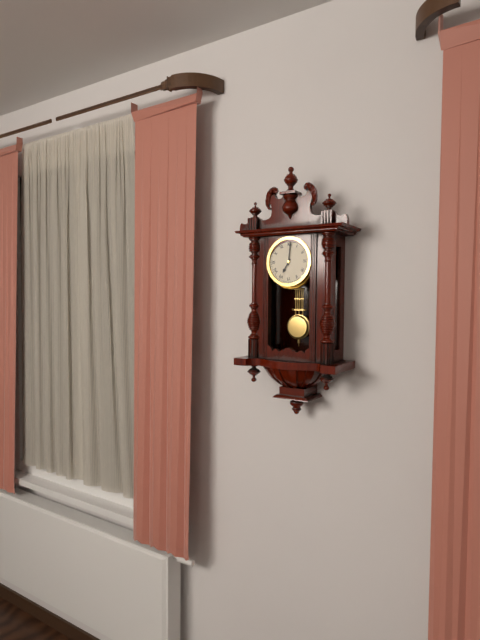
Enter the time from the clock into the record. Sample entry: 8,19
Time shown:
7,01
